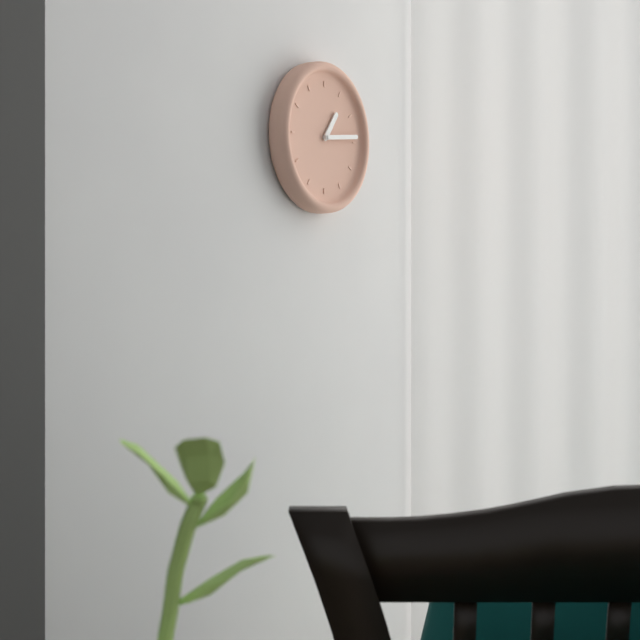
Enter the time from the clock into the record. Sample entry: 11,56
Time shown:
1,14
